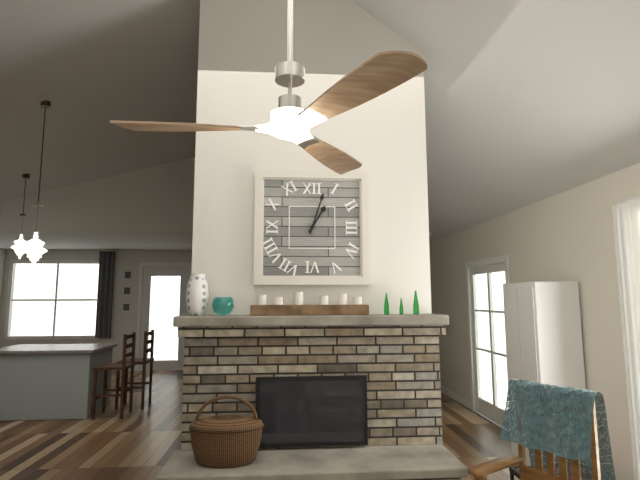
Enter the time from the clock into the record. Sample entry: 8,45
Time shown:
1,03
